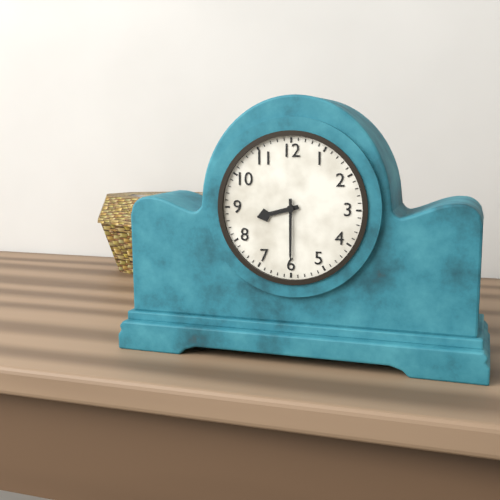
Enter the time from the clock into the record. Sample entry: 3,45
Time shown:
8,30
